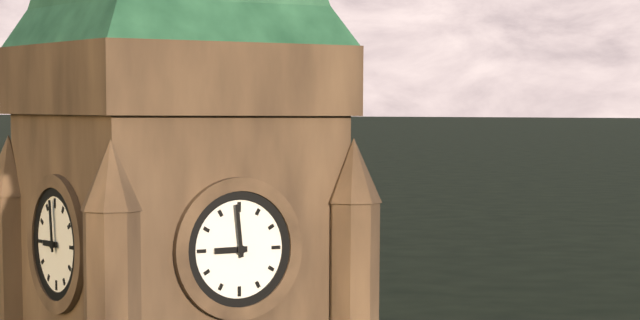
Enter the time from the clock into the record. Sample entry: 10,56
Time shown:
8,59
